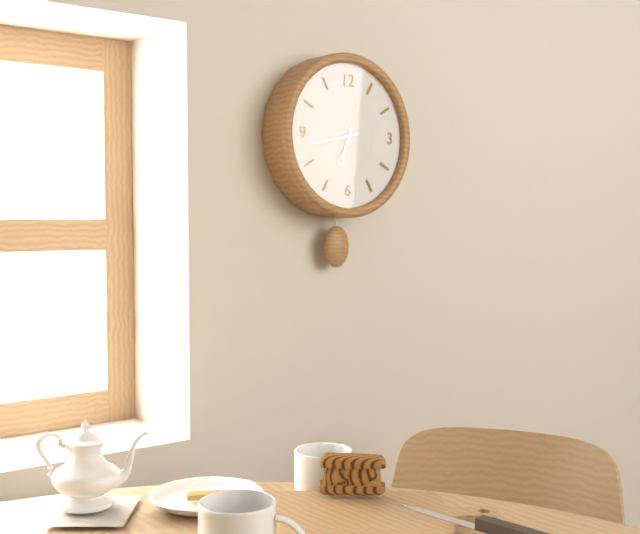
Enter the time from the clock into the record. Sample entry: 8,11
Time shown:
6,43
